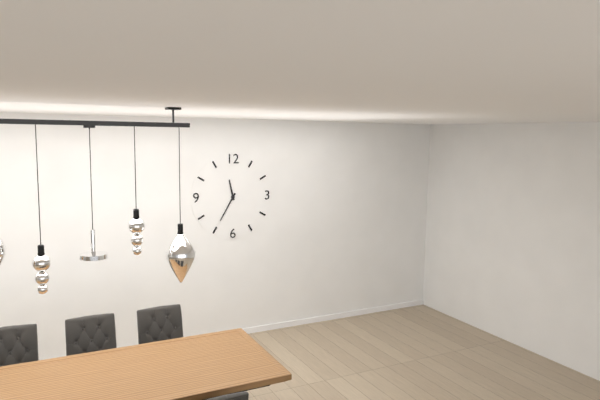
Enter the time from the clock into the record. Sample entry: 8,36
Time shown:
11,35
